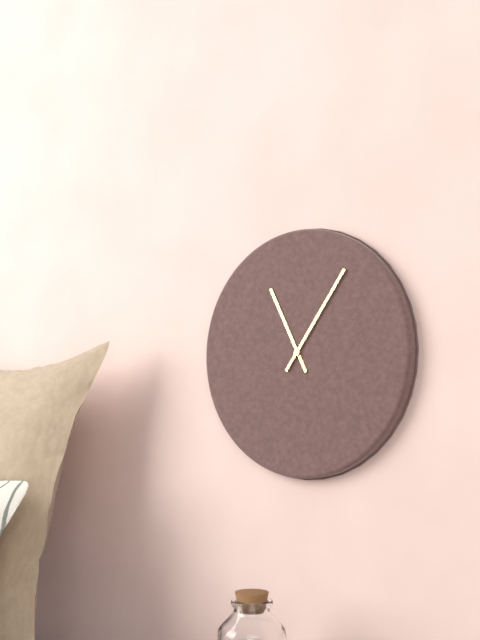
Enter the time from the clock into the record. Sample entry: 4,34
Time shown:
11,06
